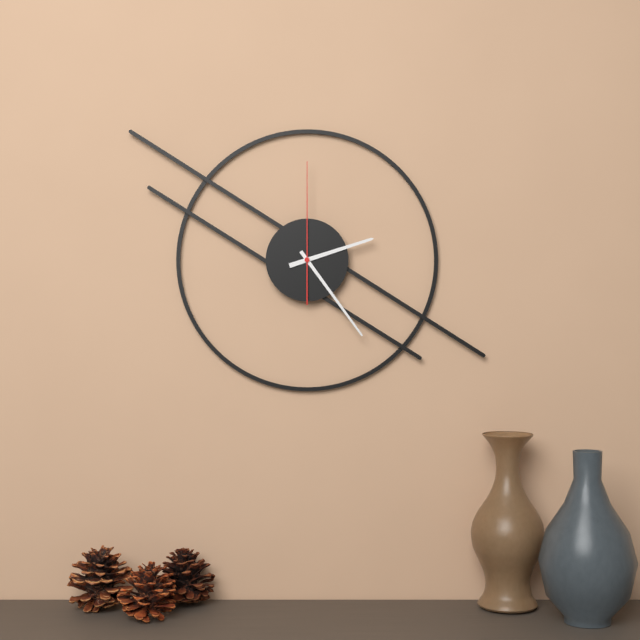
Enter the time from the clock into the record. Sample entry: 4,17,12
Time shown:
2,24,00
